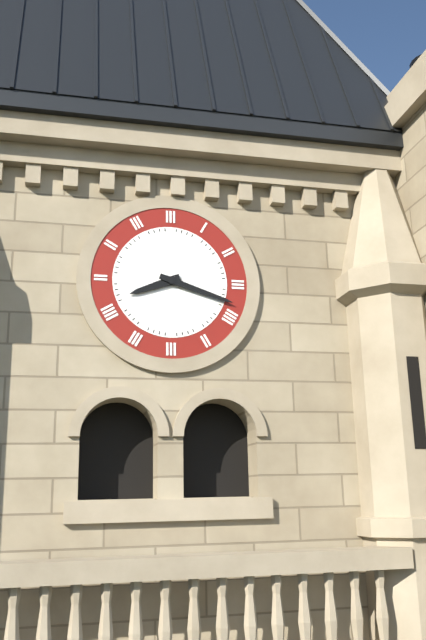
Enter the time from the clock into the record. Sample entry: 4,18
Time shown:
8,18
